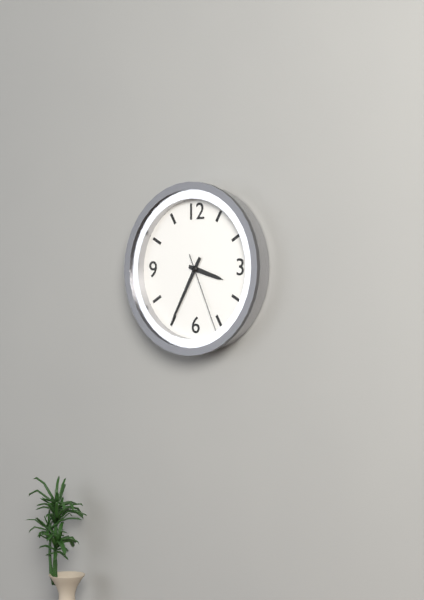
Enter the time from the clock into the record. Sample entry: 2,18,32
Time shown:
3,35,26
